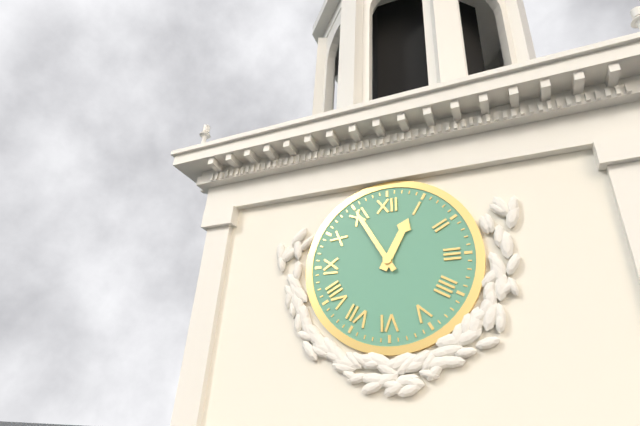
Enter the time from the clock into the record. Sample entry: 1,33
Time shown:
12,55
